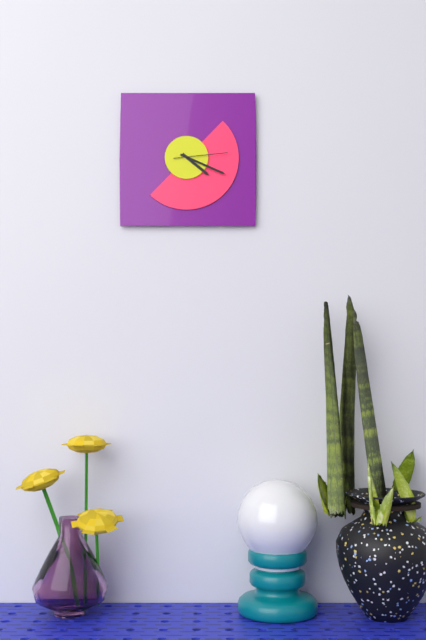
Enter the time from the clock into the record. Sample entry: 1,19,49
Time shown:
4,19,14
